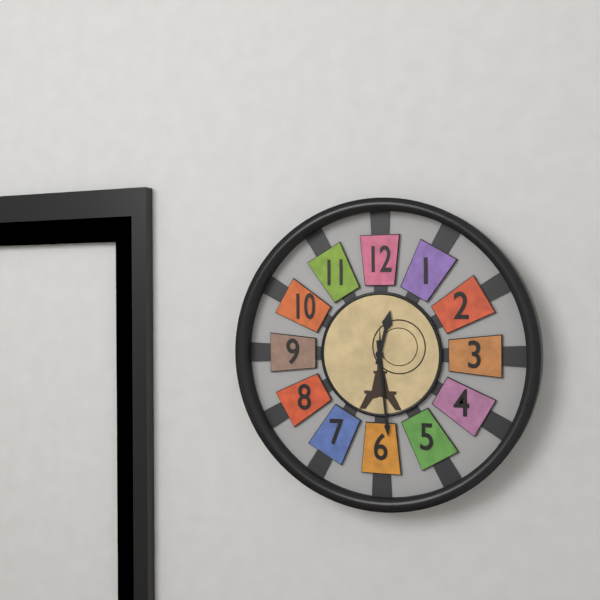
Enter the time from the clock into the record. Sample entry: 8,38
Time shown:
12,29
